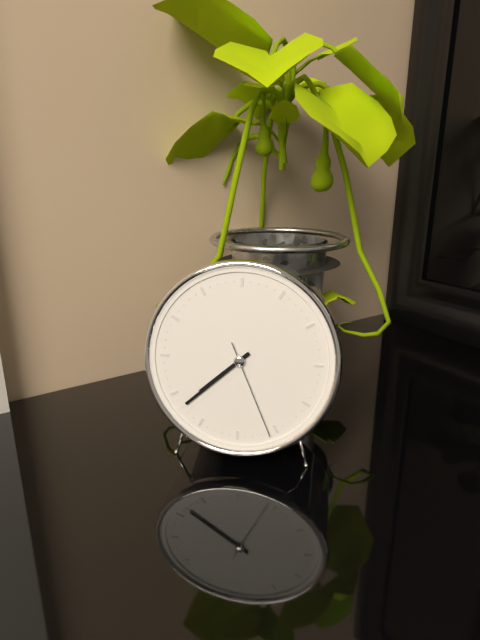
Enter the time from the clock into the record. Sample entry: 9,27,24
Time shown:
7,38,26
